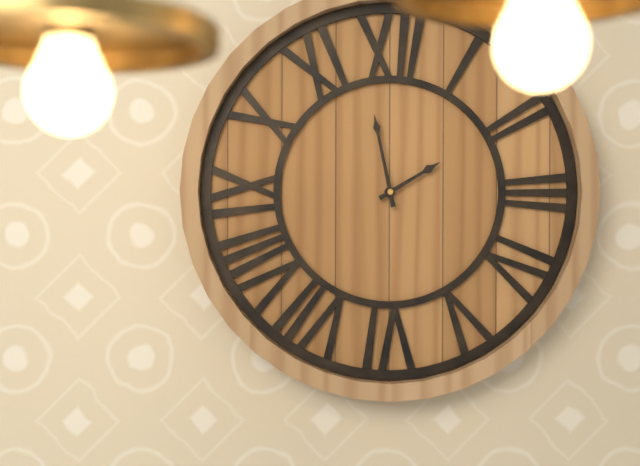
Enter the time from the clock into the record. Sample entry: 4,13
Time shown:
1,58
